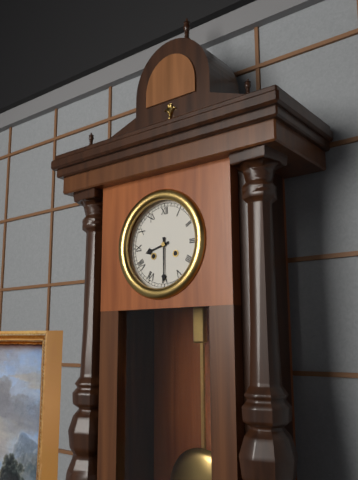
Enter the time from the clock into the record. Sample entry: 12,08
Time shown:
8,30
